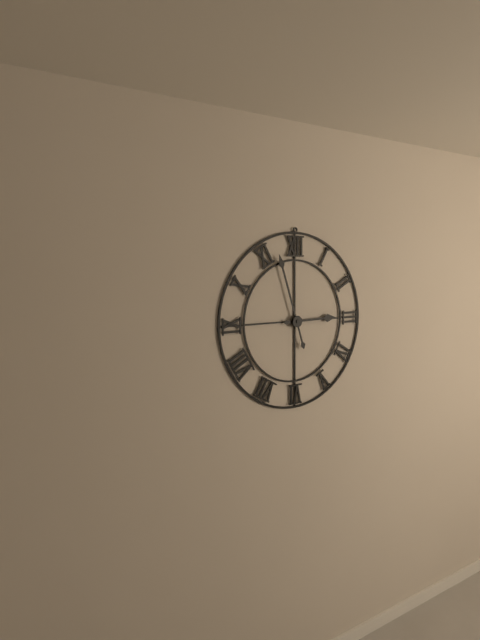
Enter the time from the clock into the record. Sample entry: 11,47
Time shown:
2,57
